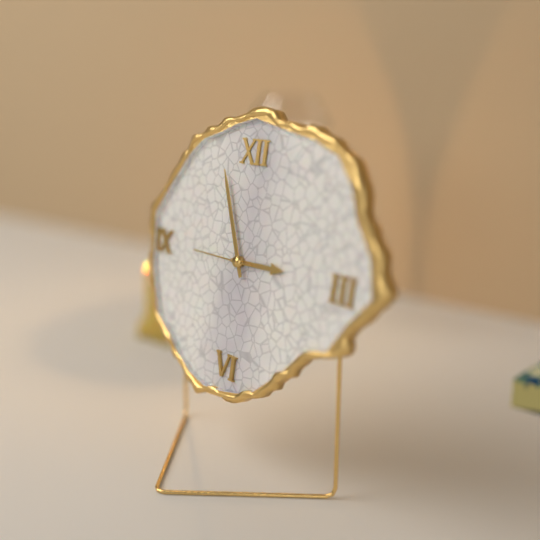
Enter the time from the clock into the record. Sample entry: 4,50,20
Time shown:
2,56,45
